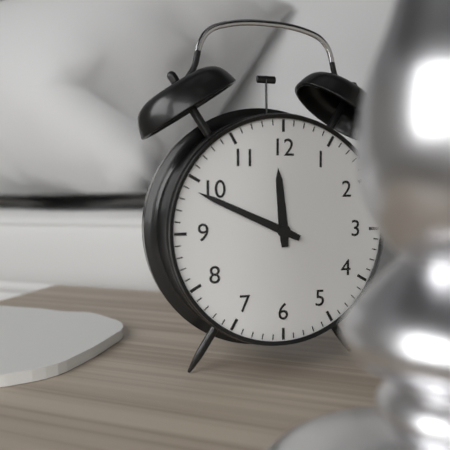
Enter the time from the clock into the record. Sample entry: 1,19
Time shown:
11,49
